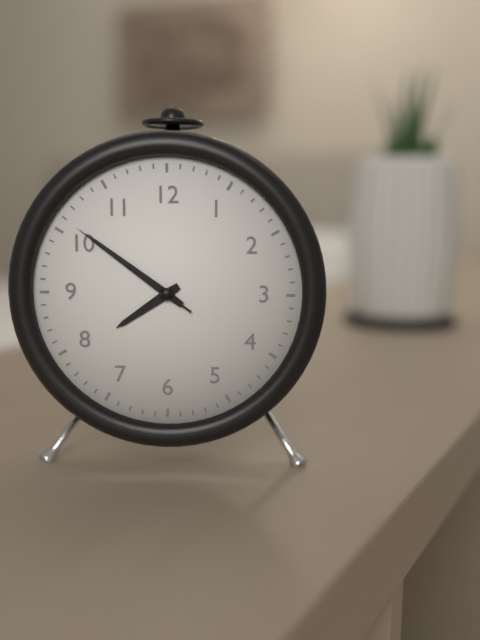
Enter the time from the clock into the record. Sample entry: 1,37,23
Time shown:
7,51,51
